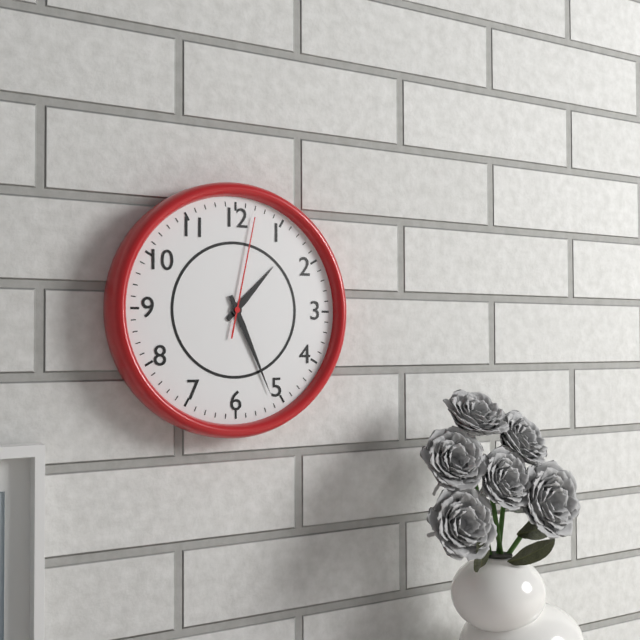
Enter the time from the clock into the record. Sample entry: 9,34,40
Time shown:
1,26,02
